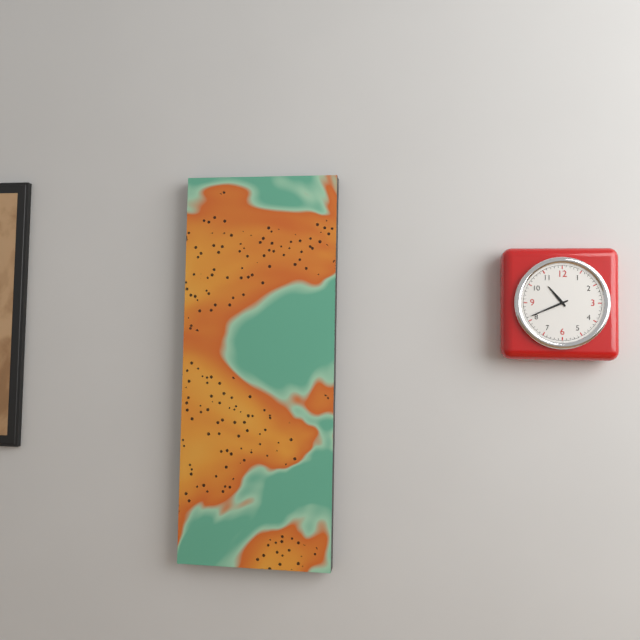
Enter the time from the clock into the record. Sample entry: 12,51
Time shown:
10,41
